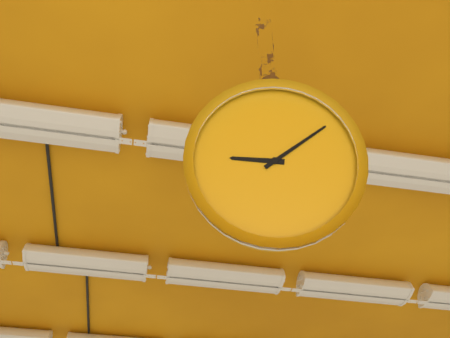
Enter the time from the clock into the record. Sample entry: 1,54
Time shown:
9,09
